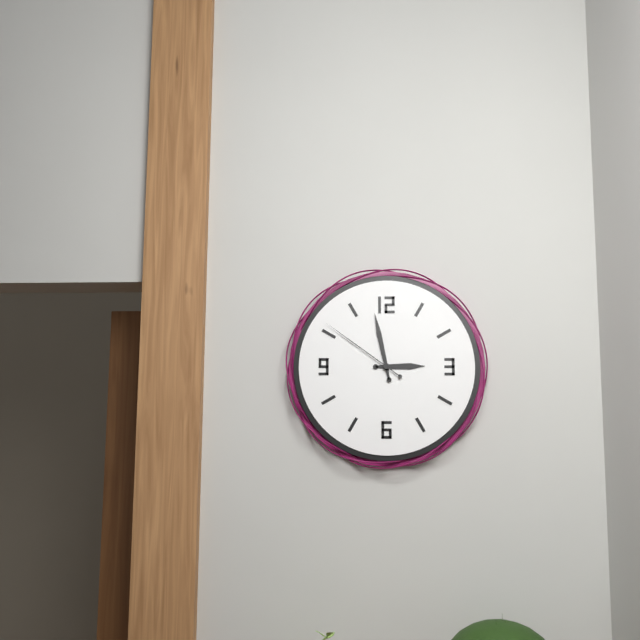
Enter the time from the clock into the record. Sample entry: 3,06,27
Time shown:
2,58,51
